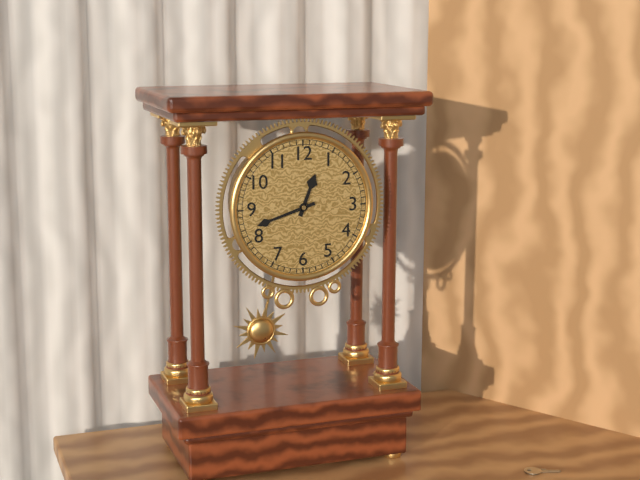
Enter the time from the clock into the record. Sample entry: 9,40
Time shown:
12,42
